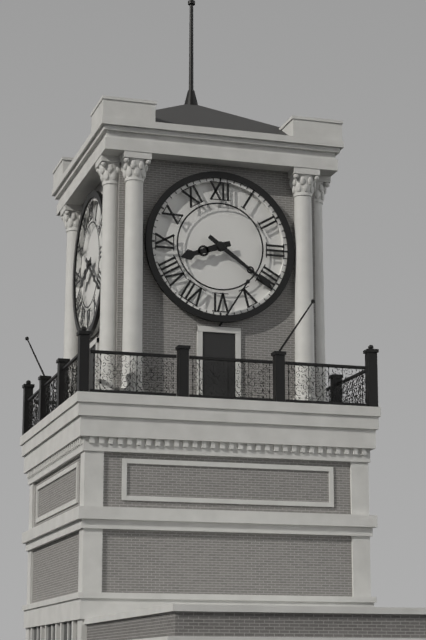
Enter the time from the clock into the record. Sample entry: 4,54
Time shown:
8,21
